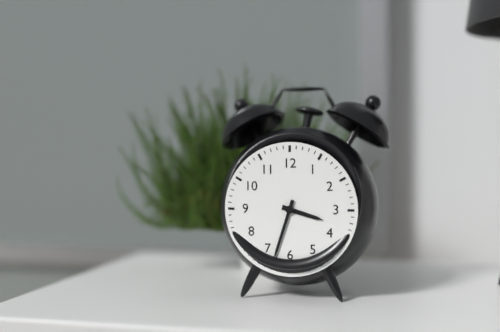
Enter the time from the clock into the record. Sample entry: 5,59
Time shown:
3,33
